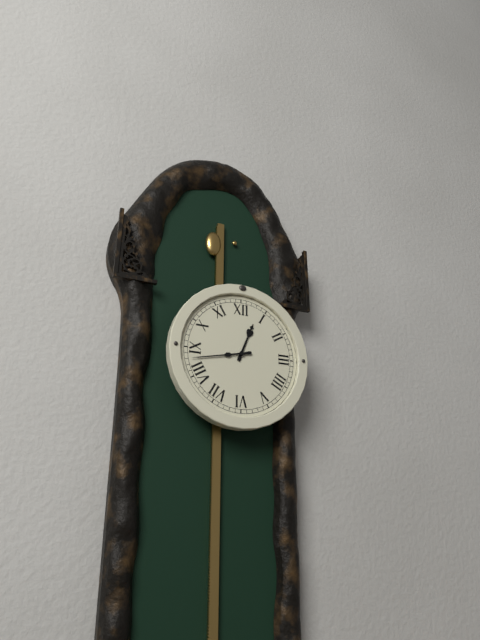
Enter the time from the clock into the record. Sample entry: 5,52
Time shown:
12,43
